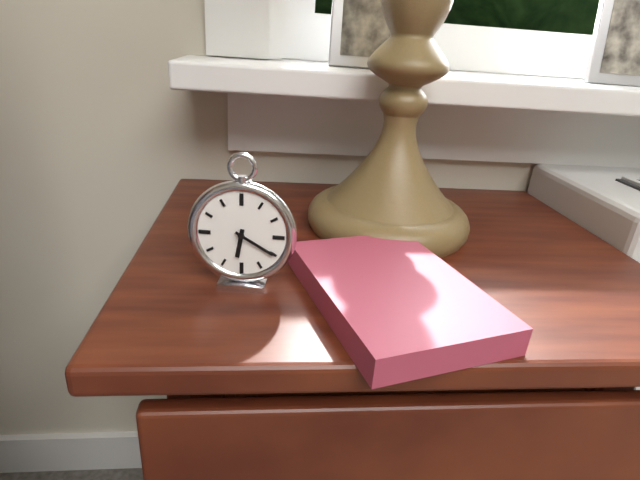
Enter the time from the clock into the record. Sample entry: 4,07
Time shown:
6,20
